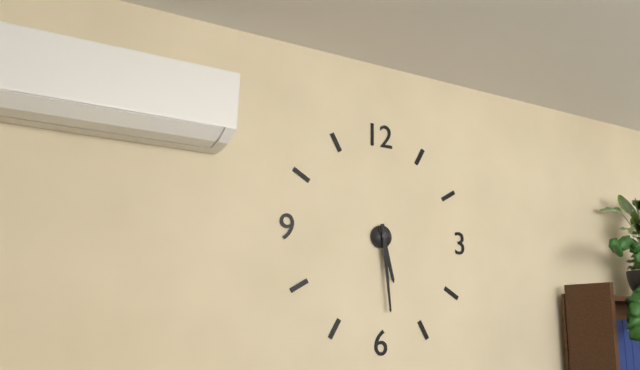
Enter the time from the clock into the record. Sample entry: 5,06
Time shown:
5,29
